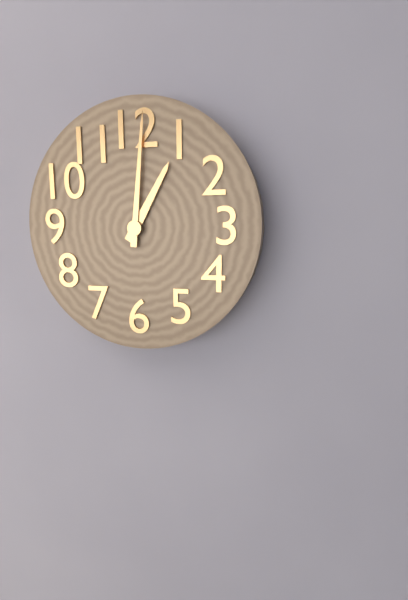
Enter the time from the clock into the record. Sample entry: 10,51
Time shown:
1,01
